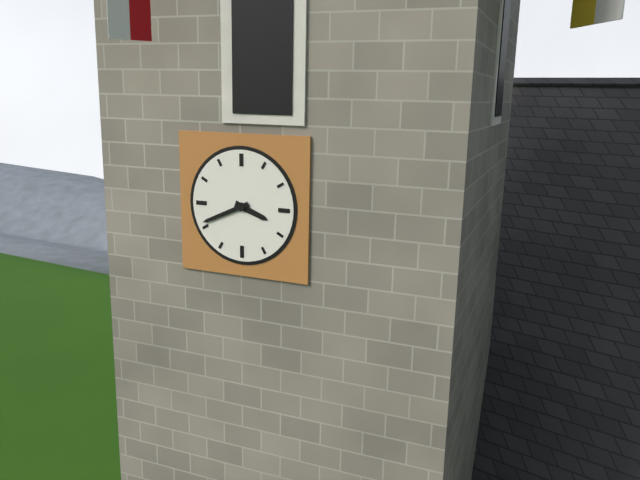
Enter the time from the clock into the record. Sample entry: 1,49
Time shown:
3,41
